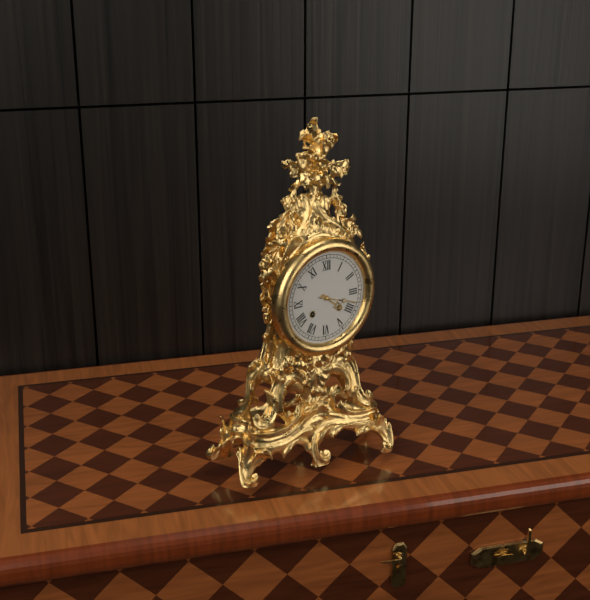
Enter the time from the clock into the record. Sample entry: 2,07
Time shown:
4,18
